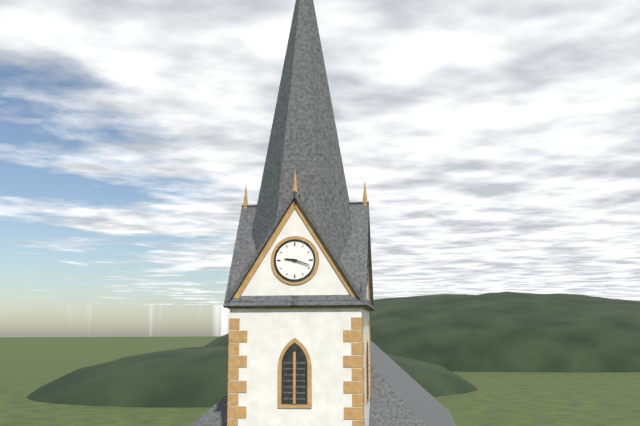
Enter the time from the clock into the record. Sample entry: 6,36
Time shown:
9,18
